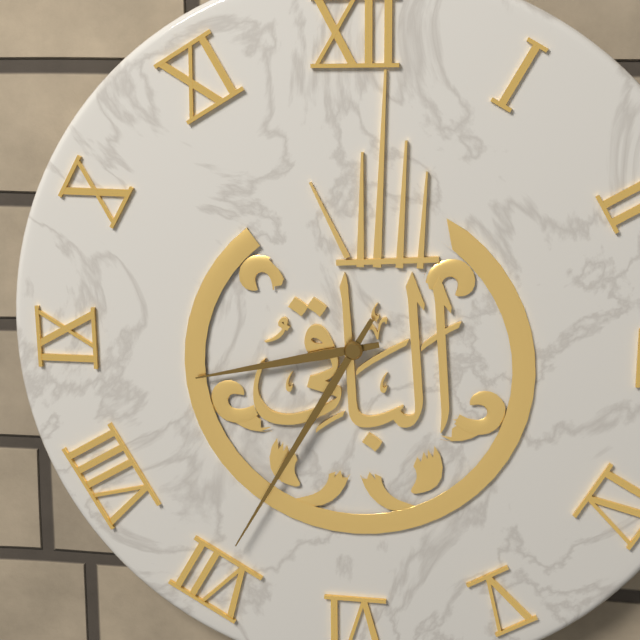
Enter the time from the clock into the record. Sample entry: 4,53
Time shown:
8,35
